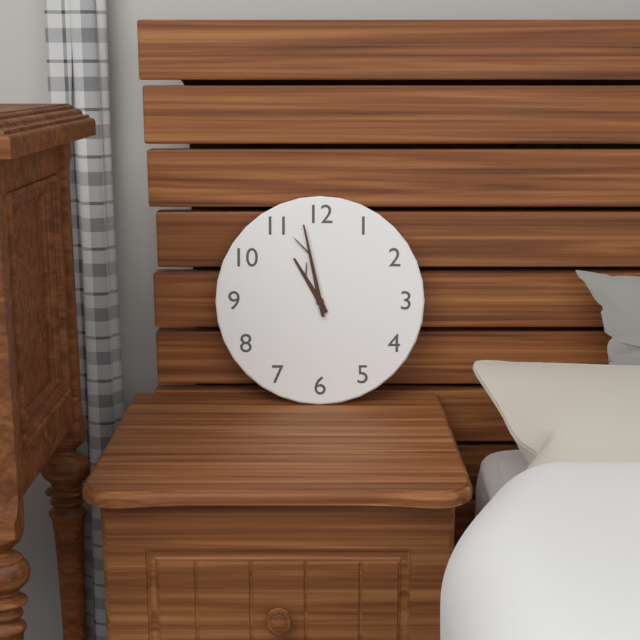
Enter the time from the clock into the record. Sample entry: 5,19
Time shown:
10,58
